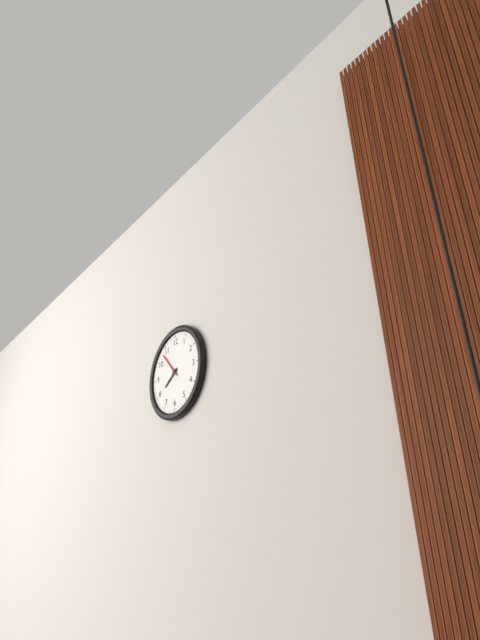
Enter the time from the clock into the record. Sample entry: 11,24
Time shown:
7,53
